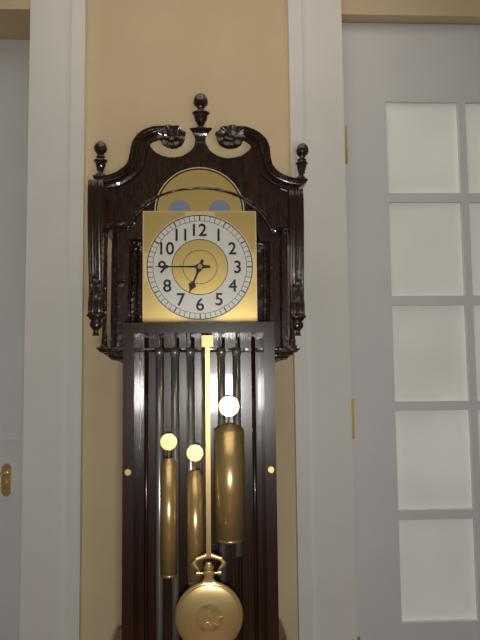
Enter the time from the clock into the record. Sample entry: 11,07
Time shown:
6,45
